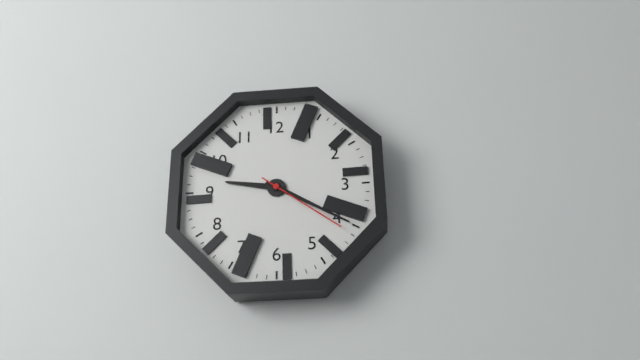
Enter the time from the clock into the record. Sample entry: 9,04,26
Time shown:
9,20,21
